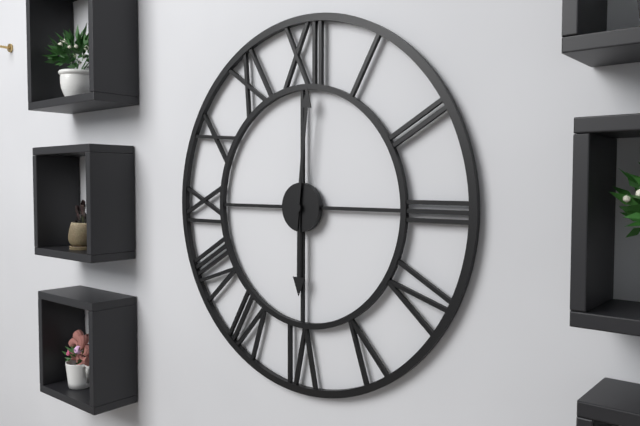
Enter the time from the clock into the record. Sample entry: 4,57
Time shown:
6,01
